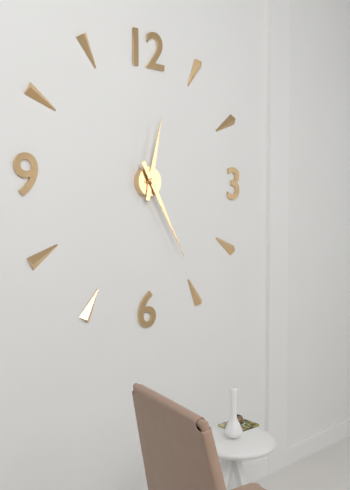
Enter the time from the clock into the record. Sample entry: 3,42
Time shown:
12,25
